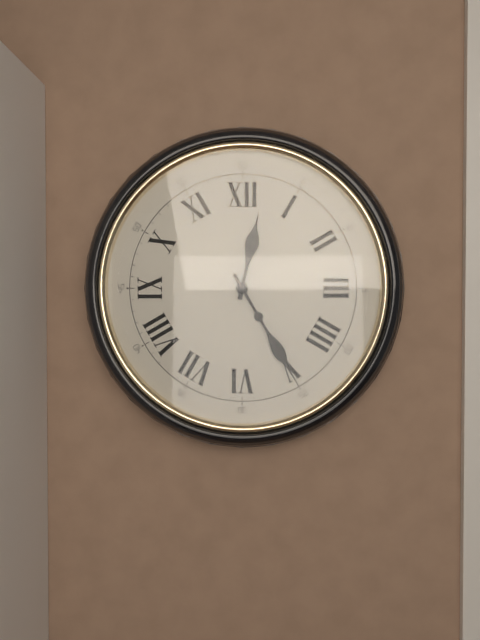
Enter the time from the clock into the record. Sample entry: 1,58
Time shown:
12,25
